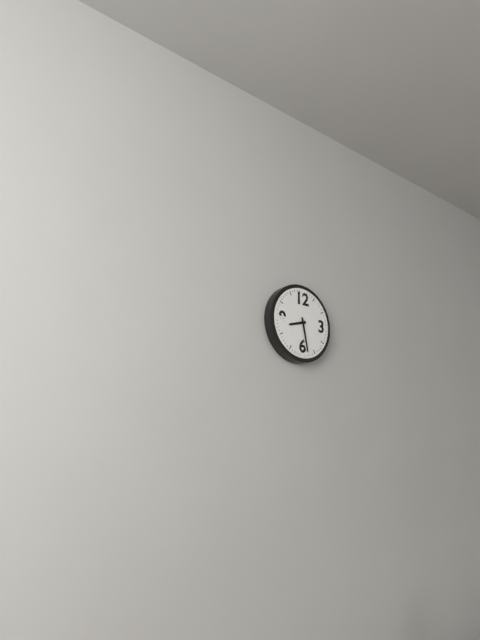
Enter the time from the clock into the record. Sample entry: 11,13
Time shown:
8,28
